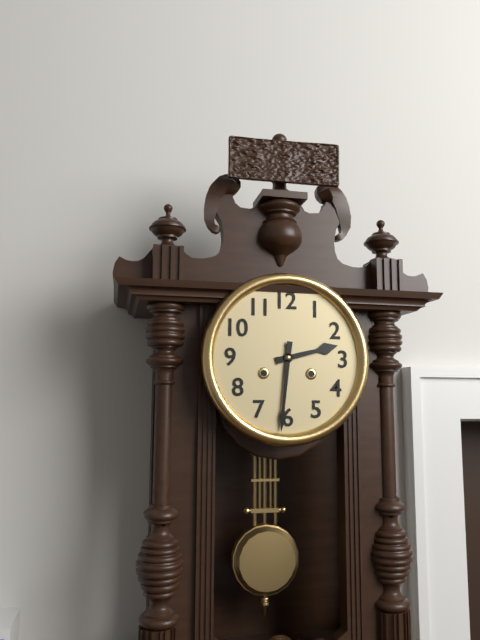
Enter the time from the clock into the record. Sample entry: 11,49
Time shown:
2,31
